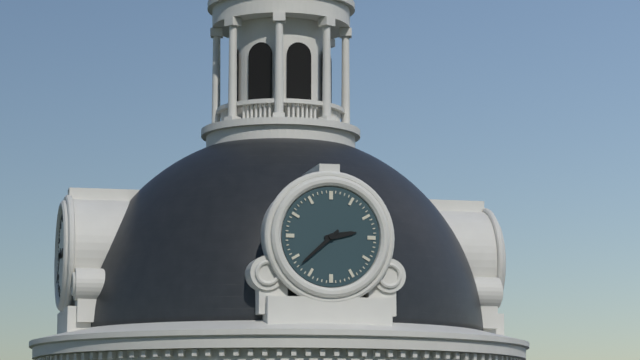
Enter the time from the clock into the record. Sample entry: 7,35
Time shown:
2,38
